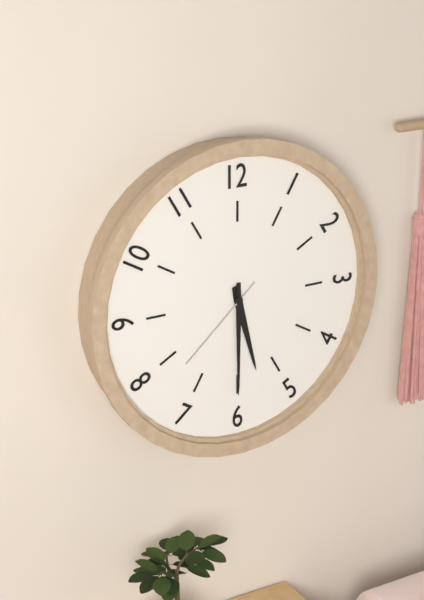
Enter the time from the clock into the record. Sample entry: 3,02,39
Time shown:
5,30,38
